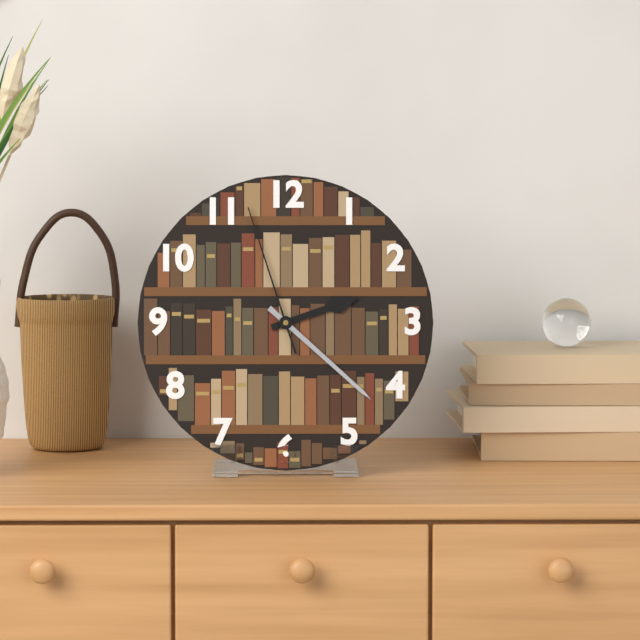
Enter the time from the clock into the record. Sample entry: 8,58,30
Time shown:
2,22,57
